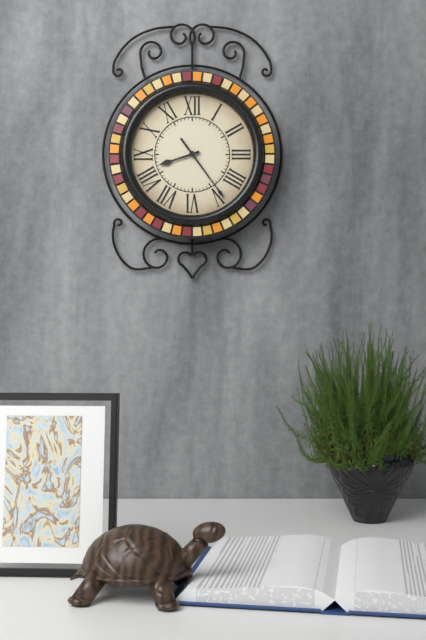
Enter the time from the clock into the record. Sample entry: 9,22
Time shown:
8,24
